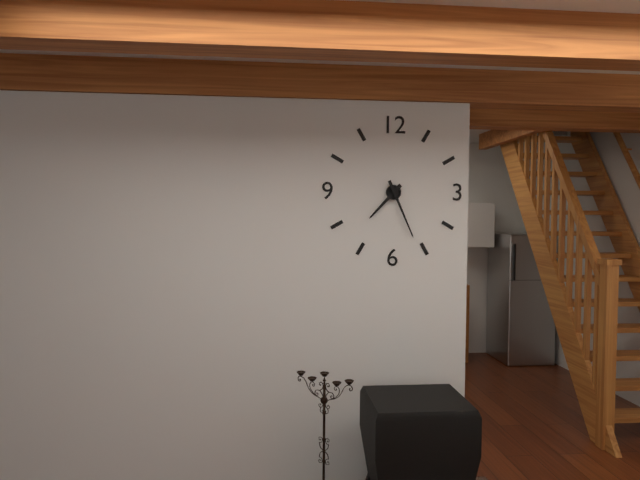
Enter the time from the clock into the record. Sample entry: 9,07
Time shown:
7,26
